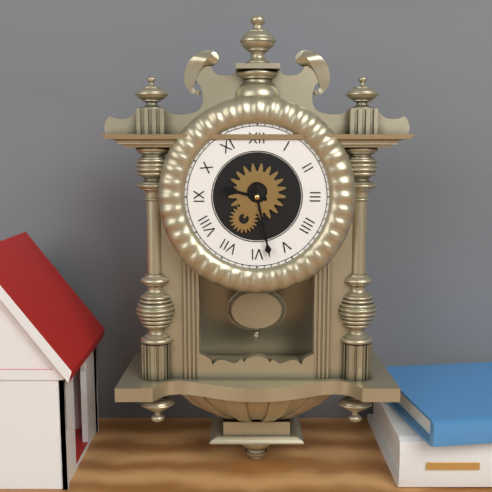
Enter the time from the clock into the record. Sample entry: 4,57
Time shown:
9,28
